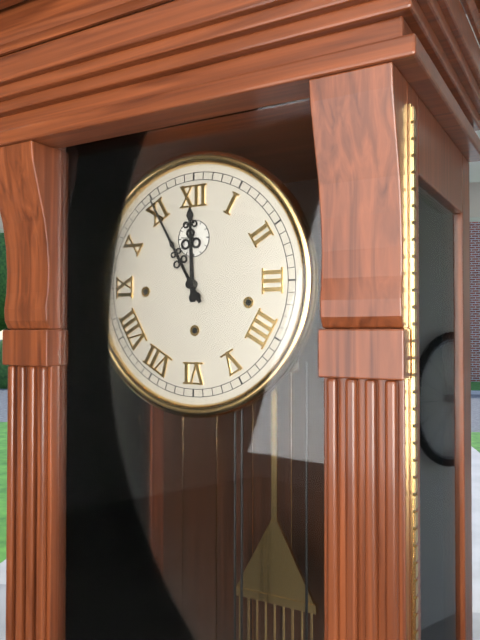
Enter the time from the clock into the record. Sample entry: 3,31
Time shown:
11,55
